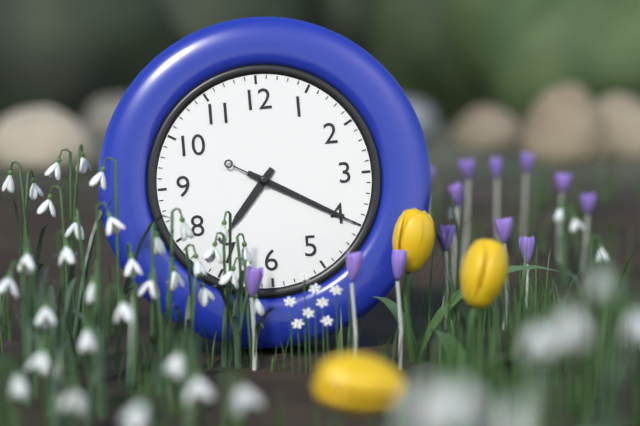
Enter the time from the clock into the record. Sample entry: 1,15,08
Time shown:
7,20,20
